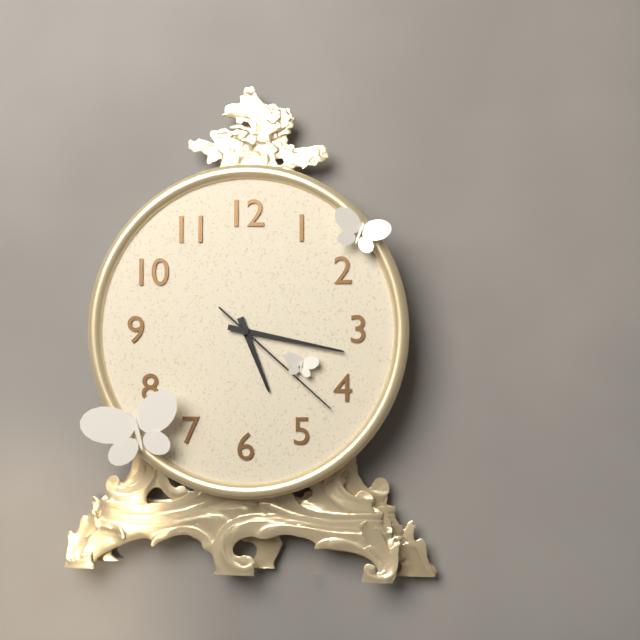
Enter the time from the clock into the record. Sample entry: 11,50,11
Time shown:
5,17,22
